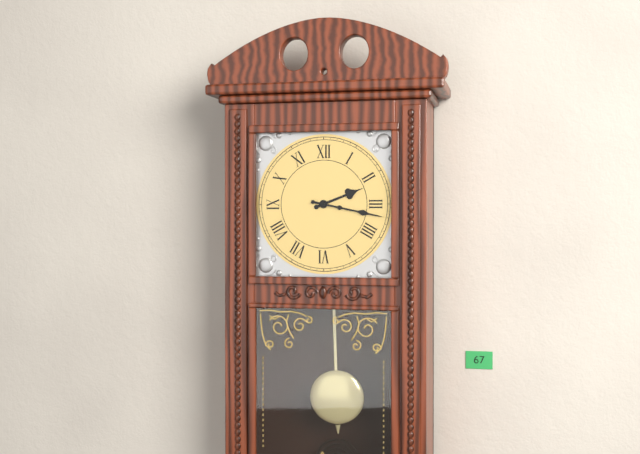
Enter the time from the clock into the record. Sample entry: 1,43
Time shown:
2,17
